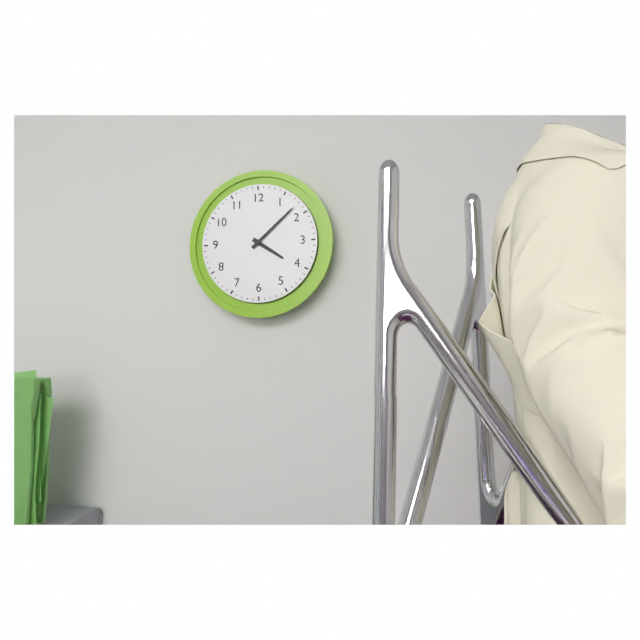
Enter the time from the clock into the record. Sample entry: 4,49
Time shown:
4,08
